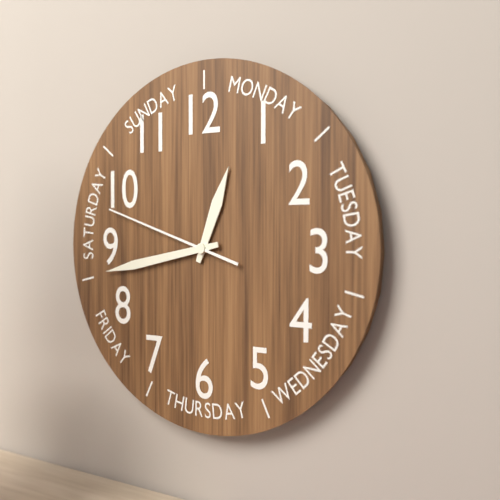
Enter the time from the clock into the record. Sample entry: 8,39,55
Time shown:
12,43,48
